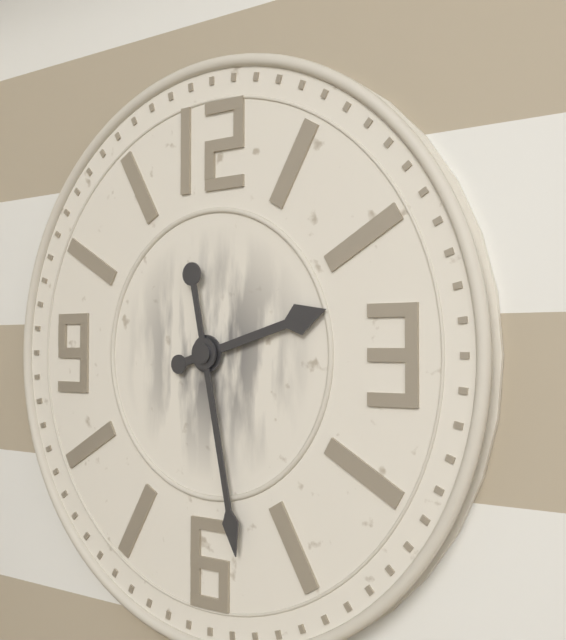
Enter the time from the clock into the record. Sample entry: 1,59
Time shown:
2,28
